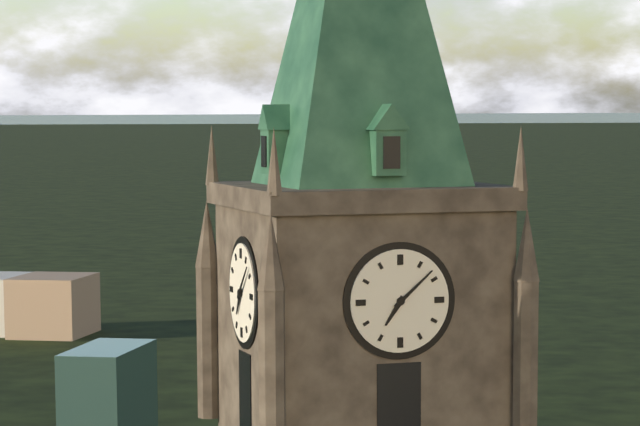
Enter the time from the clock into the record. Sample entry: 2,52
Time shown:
7,08
